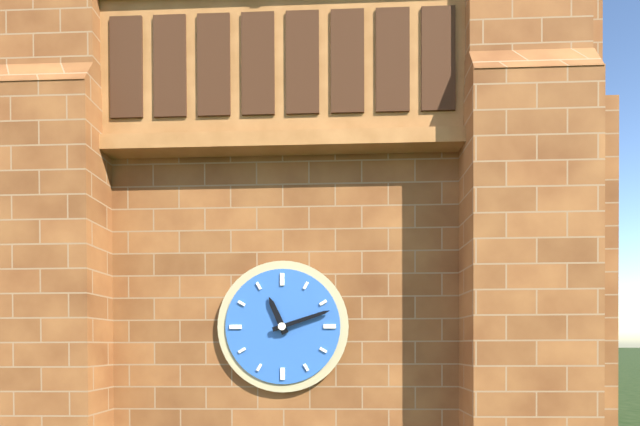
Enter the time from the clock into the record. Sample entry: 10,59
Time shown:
11,12
